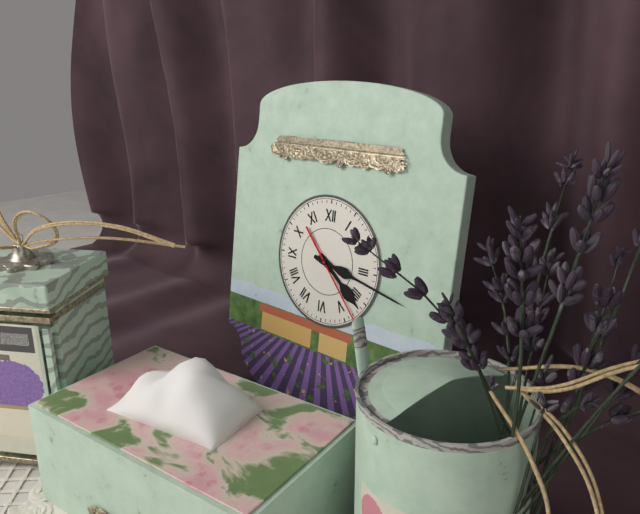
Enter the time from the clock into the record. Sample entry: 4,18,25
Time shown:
4,17,23
